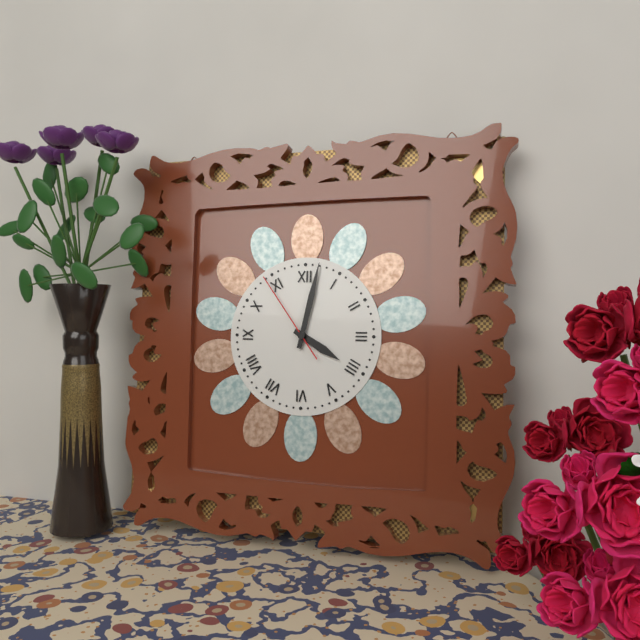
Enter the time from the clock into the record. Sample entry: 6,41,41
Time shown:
4,02,54
